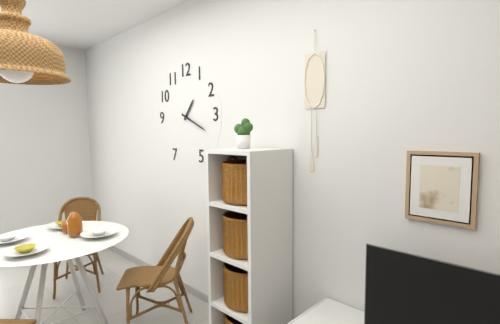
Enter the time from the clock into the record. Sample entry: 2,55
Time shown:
1,19
